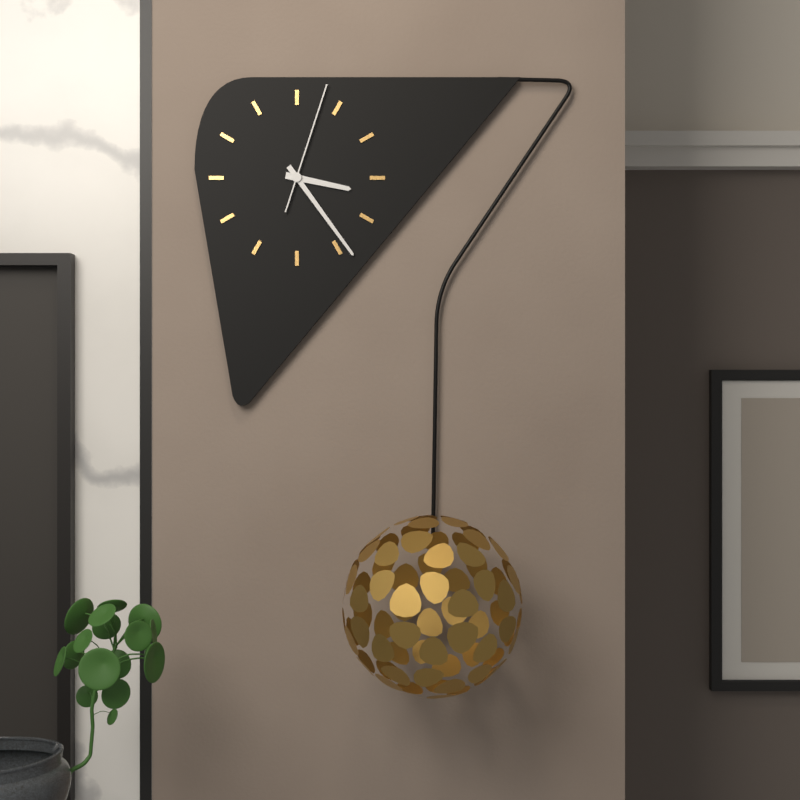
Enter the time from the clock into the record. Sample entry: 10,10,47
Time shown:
3,24,03
